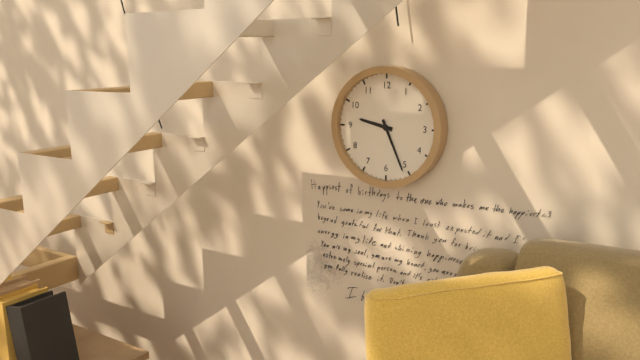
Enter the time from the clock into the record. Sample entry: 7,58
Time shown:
9,26
